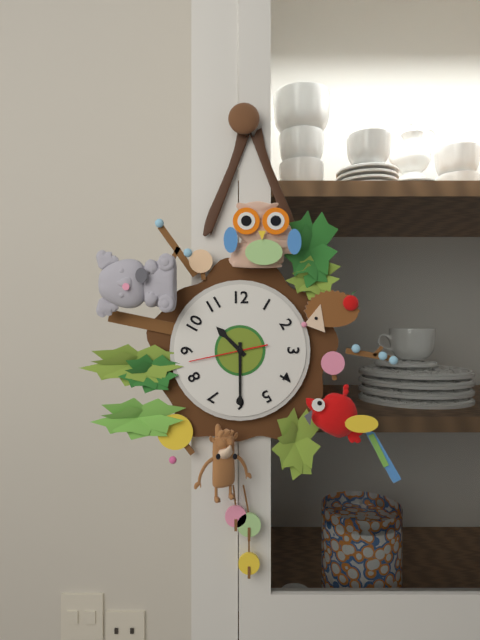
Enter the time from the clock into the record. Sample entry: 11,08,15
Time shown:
10,30,43
